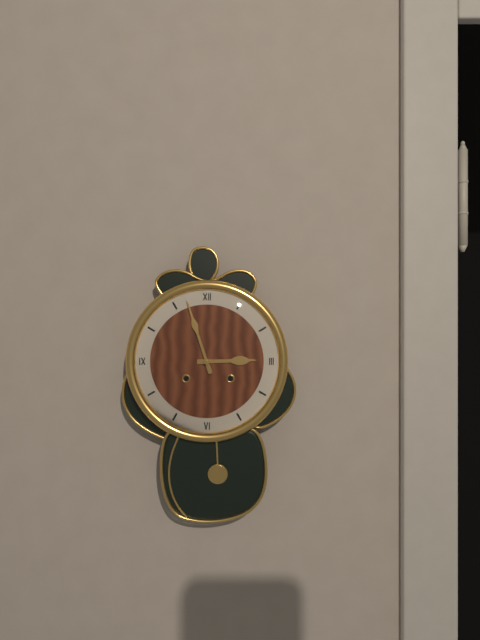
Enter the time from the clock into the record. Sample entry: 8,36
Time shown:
2,57
